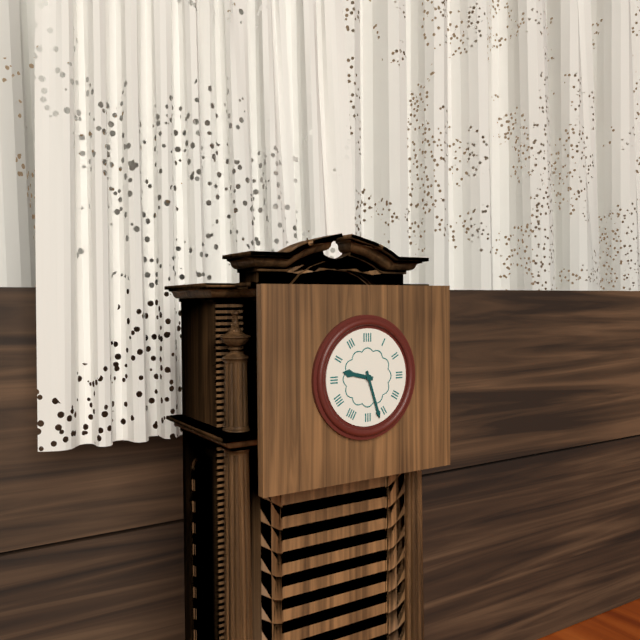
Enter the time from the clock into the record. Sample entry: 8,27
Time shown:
9,27
